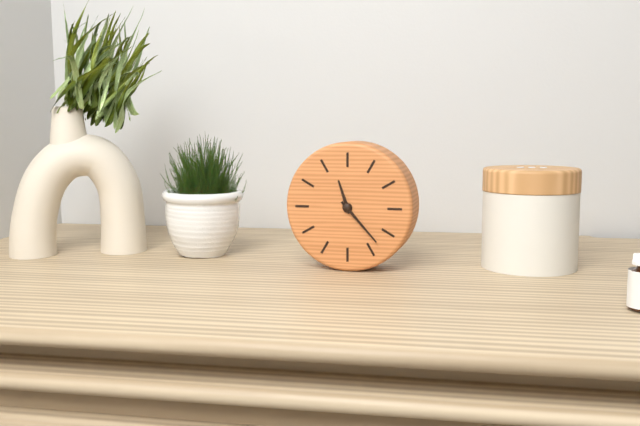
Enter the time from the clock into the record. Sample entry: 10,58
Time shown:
11,23
